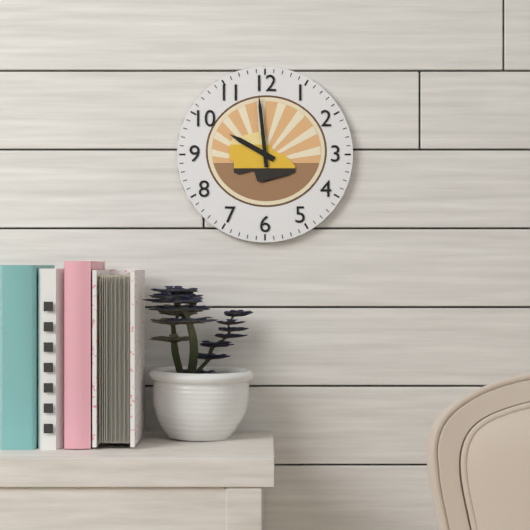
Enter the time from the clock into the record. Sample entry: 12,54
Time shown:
9,59
